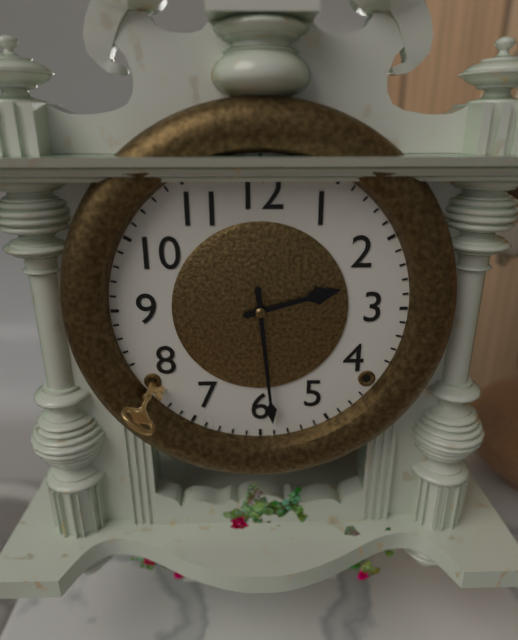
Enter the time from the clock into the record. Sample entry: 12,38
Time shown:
2,29
